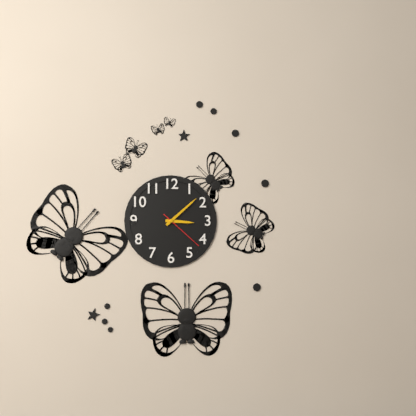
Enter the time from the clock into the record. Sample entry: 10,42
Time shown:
3,08
